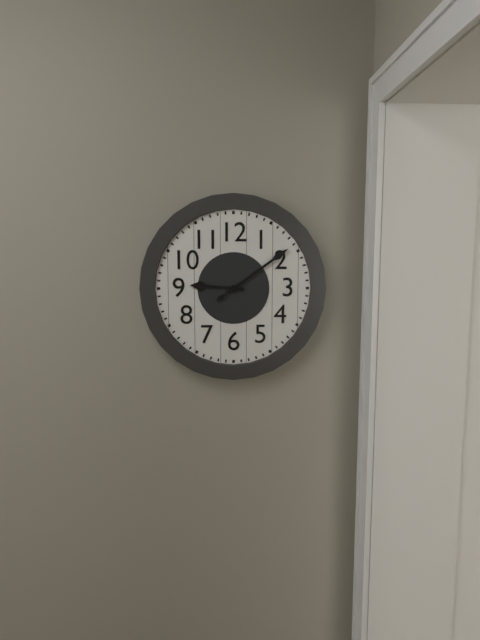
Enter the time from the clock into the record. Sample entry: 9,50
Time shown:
9,09
